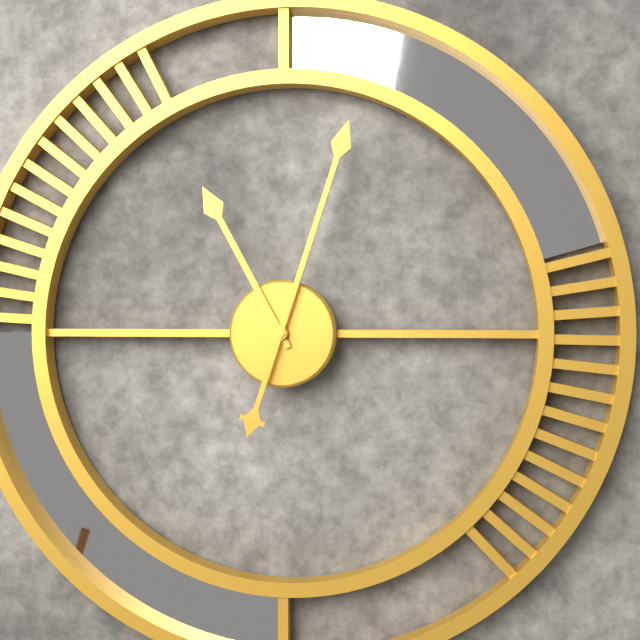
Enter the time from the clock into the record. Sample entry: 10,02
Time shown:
11,03
